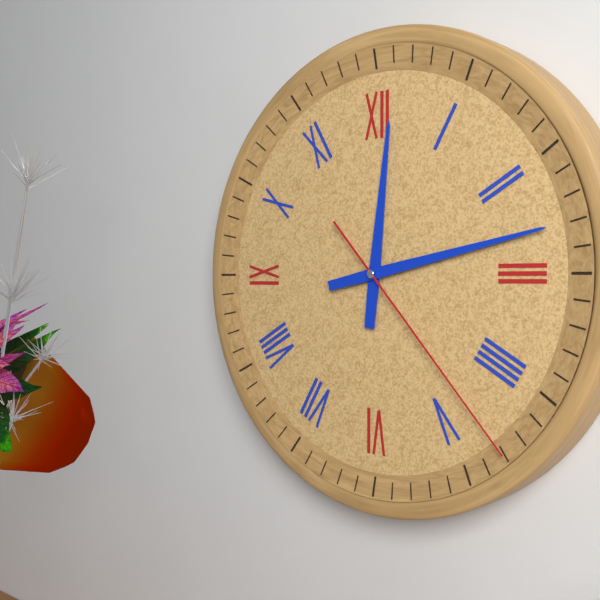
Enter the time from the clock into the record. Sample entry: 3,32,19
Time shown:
12,13,23
